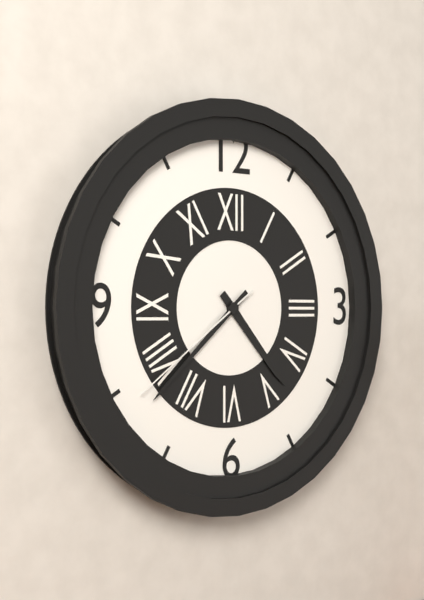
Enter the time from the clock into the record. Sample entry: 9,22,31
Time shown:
4,38,39
